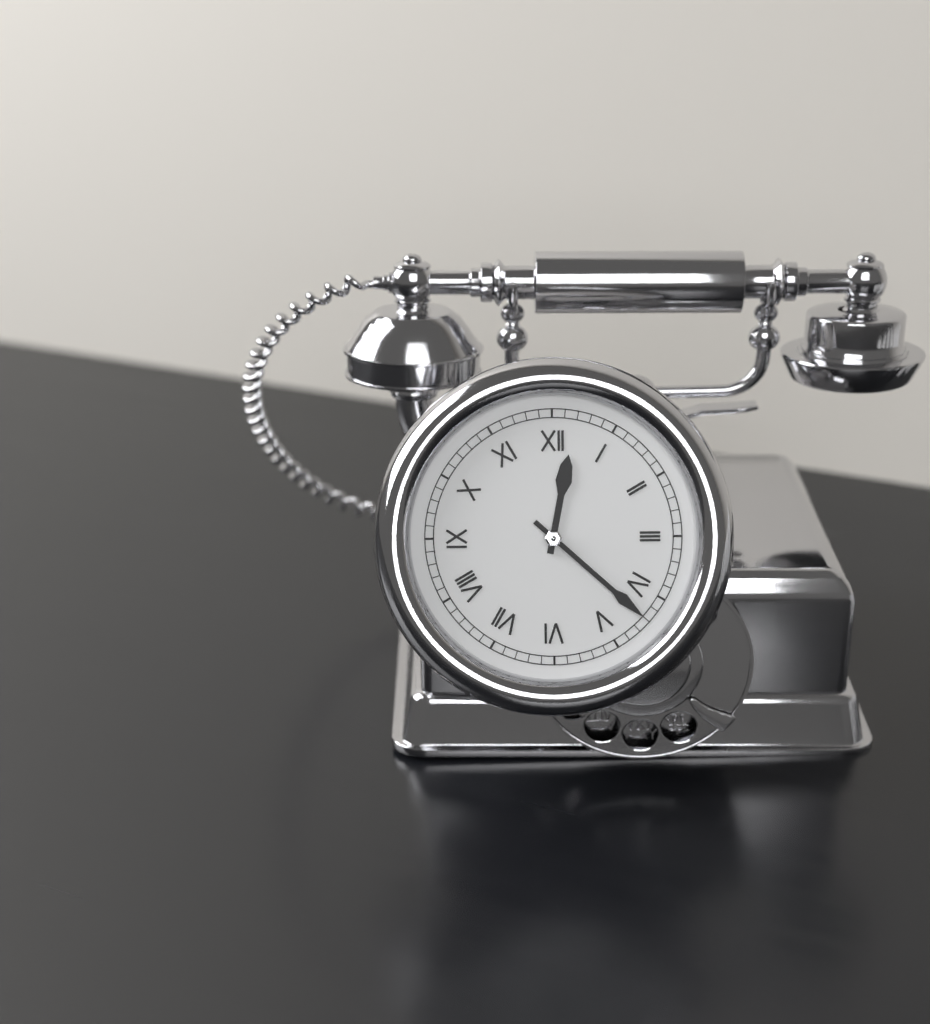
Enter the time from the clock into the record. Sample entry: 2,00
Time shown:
12,22
